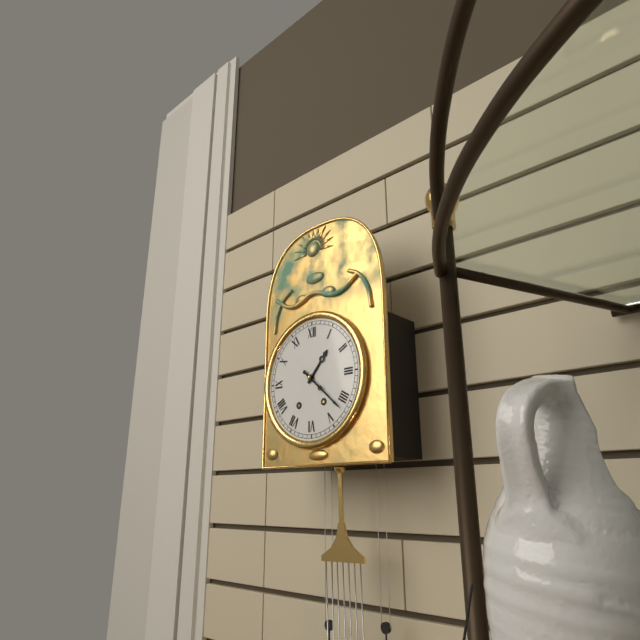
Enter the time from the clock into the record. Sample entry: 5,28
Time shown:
1,22
